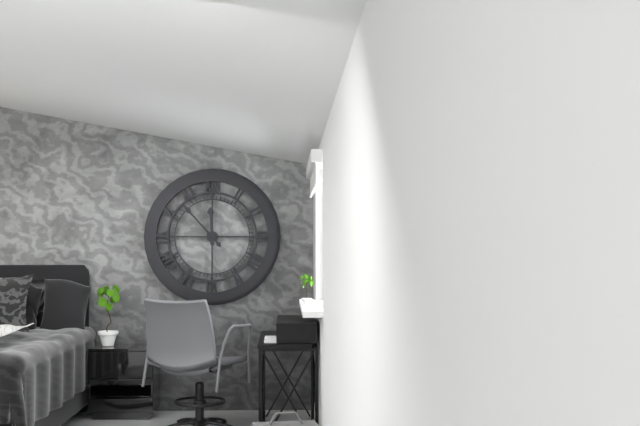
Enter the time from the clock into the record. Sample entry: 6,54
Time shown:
11,53
